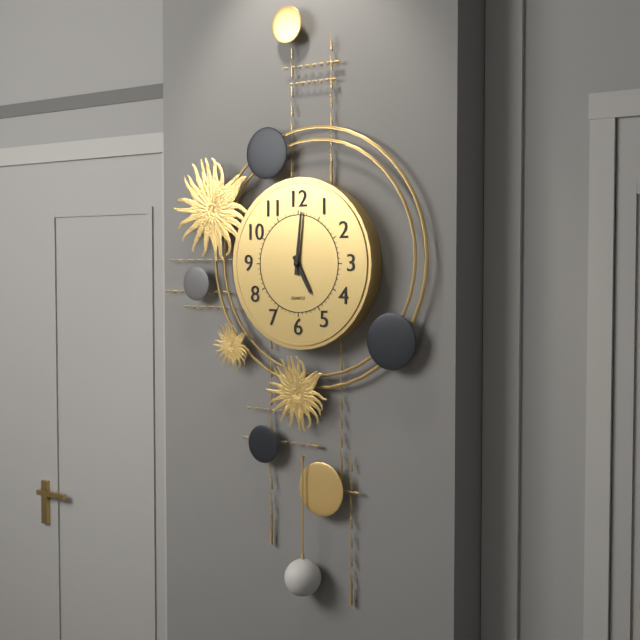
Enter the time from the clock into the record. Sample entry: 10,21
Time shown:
5,01
